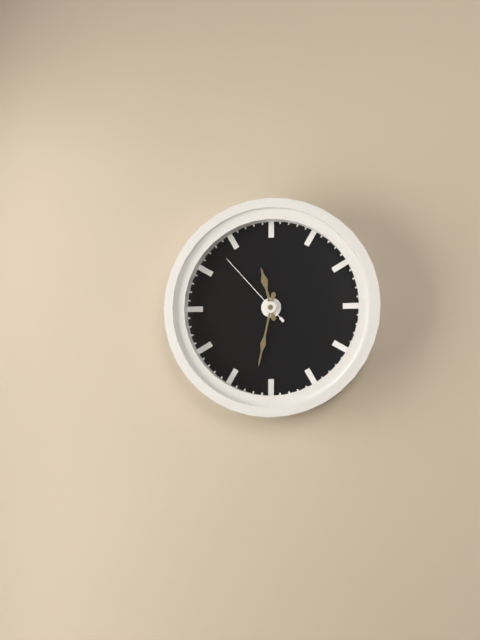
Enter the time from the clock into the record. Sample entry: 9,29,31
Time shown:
11,32,53
